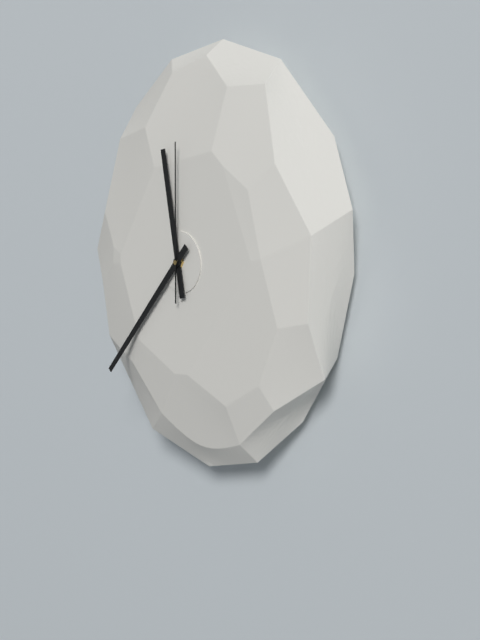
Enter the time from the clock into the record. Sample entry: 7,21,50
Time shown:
11,37,00
